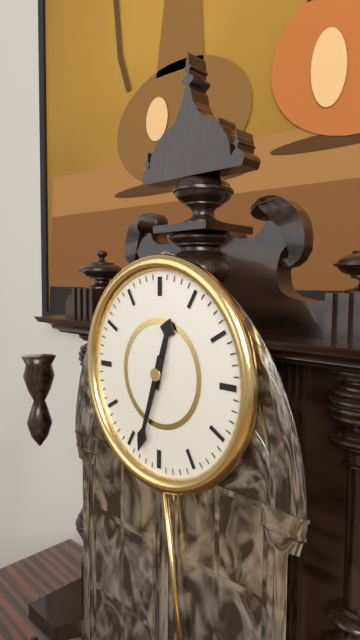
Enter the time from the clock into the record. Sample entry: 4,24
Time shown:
12,33
